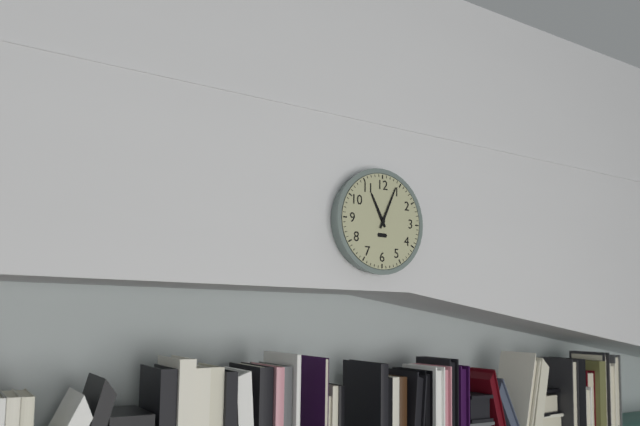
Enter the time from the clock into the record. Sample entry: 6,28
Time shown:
11,04
